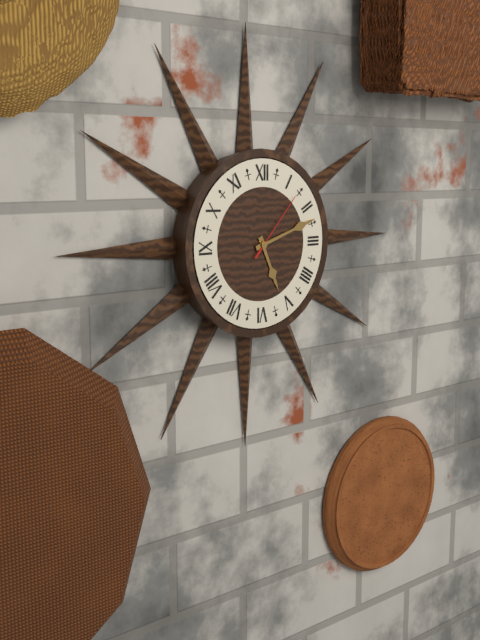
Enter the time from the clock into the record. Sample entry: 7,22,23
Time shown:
5,12,07
